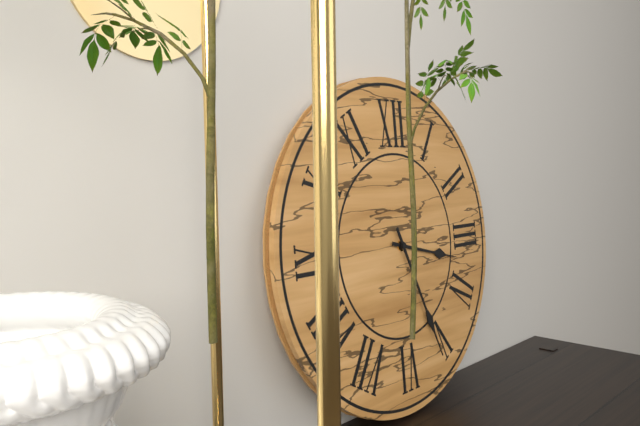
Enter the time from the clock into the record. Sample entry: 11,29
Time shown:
3,26
